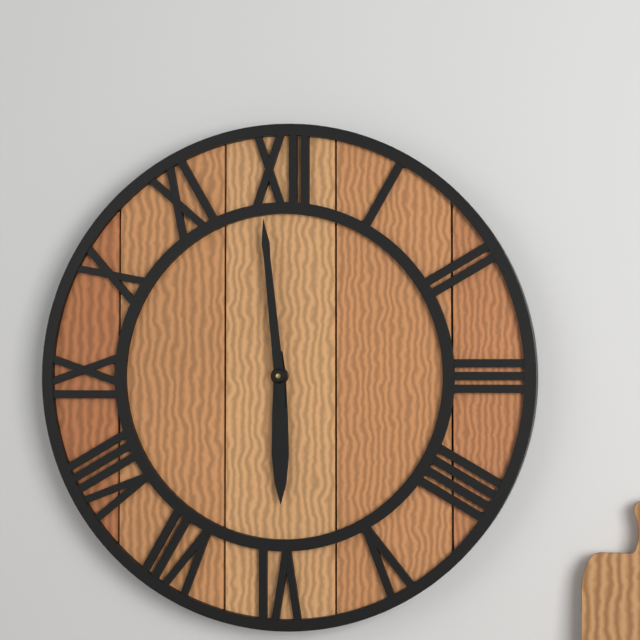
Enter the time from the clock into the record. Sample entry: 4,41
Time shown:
5,59
